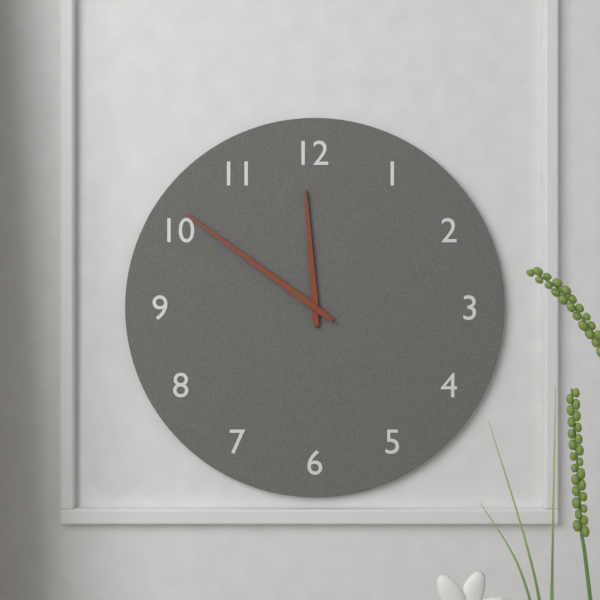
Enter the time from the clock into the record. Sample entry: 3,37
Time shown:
11,51
